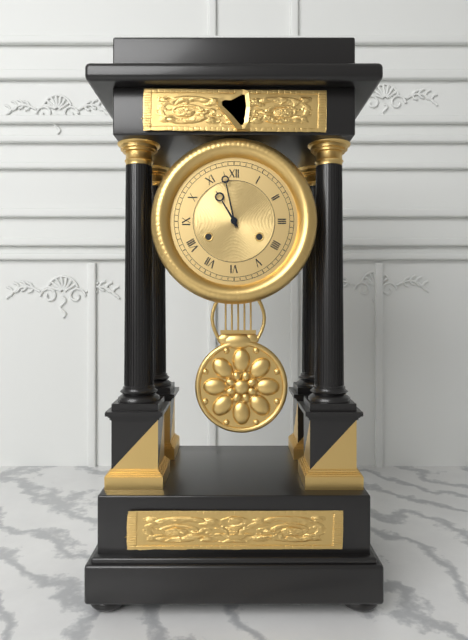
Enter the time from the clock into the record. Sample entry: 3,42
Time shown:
10,58
